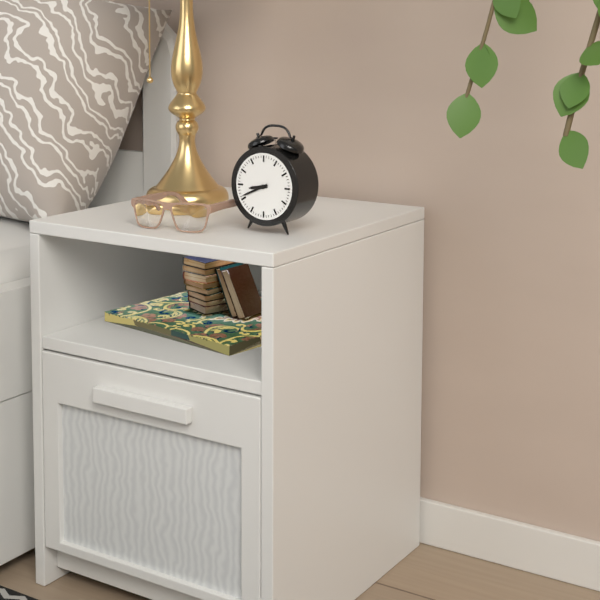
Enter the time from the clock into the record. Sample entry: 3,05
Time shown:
8,41
